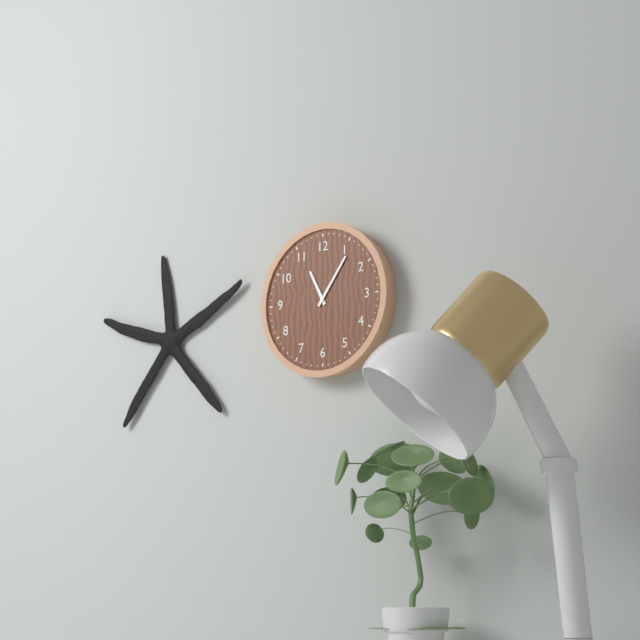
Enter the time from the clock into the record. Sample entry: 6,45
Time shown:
11,06
